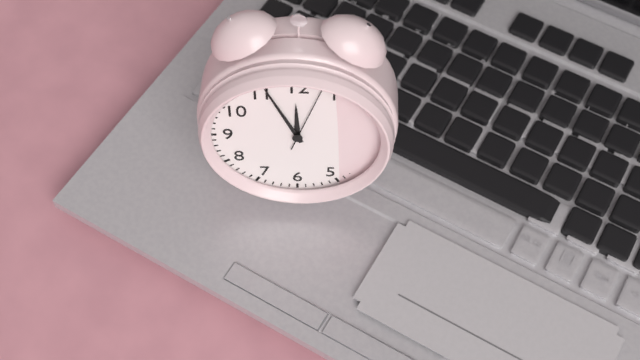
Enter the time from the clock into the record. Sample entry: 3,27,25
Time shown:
11,56,03
